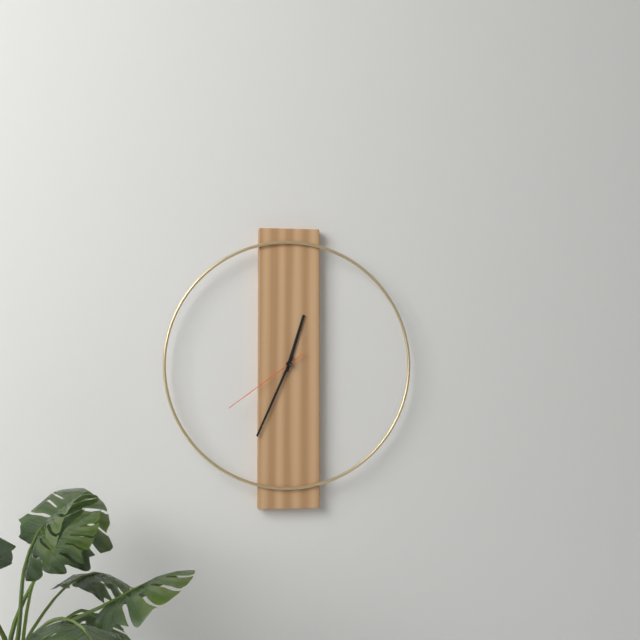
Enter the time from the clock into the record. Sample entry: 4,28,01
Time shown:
12,34,39
